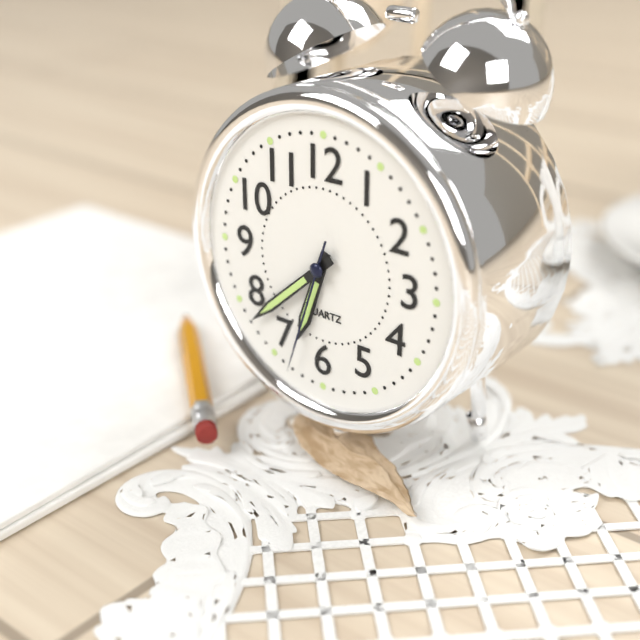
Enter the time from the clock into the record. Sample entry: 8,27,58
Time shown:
6,38,33
